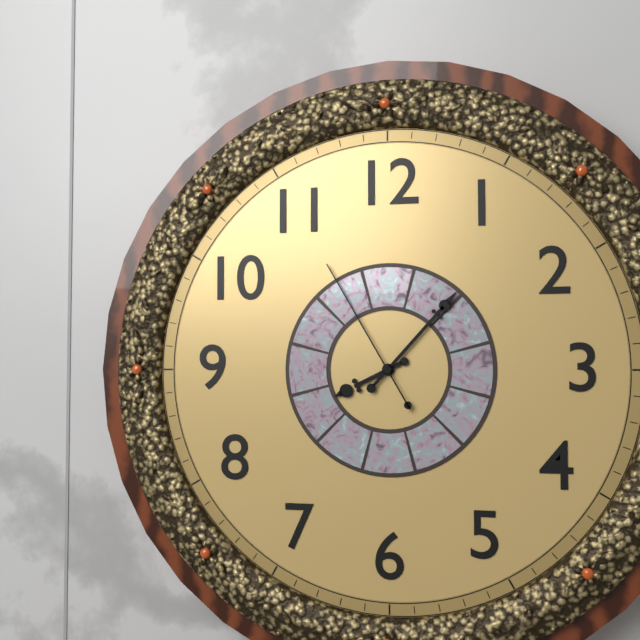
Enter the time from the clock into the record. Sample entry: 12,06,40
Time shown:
8,07,55
